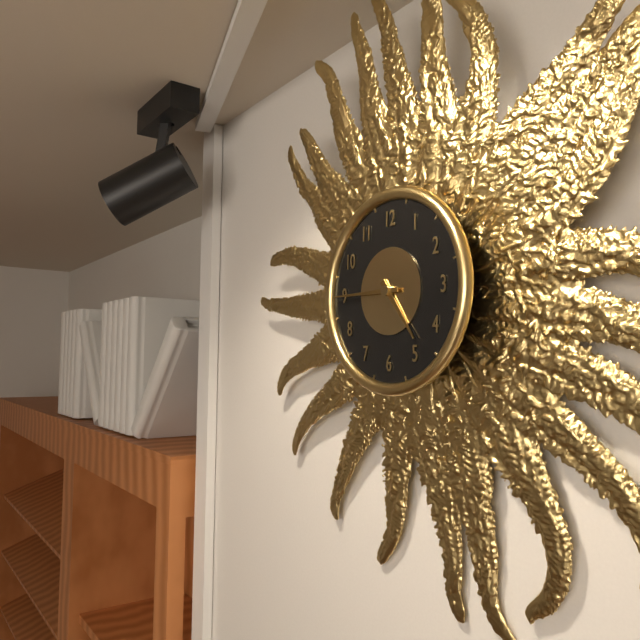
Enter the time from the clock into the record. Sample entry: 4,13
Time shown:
4,45
